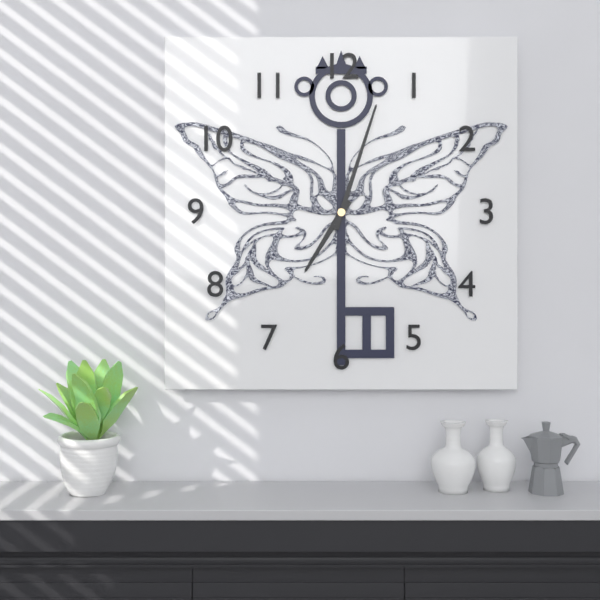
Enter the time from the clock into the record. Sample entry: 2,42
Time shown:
7,03
